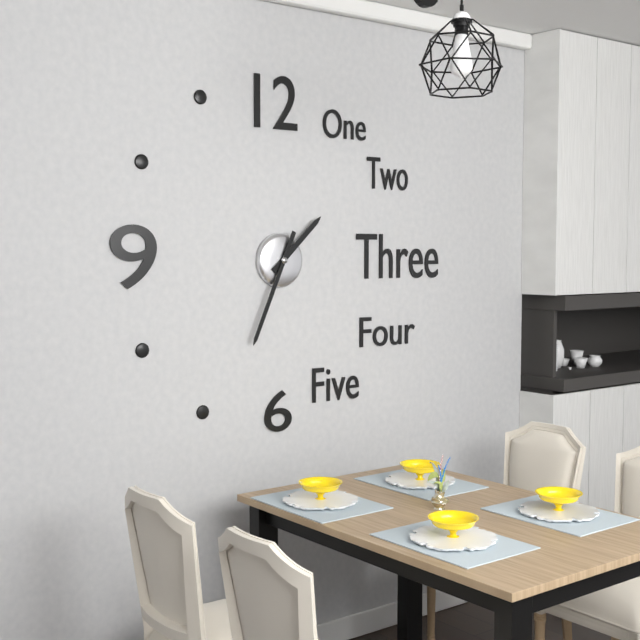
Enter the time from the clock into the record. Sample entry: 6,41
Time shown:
1,34
